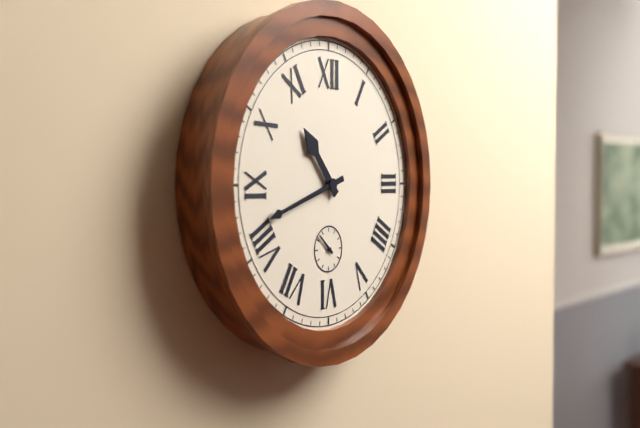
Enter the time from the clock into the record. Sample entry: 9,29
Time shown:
10,42
